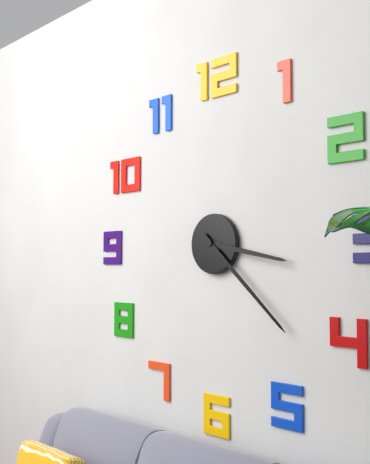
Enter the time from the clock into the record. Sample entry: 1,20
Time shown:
3,22
